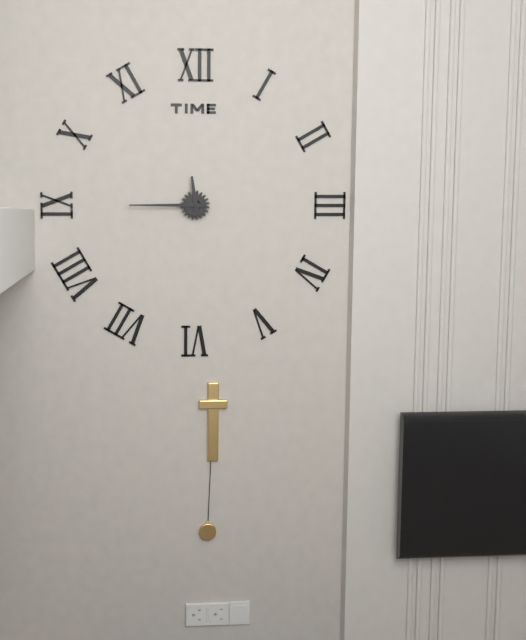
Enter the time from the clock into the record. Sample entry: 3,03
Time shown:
11,45
